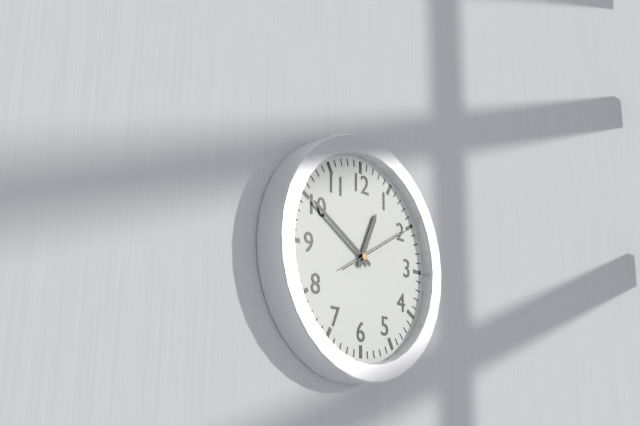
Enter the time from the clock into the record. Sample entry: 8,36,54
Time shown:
12,50,10
